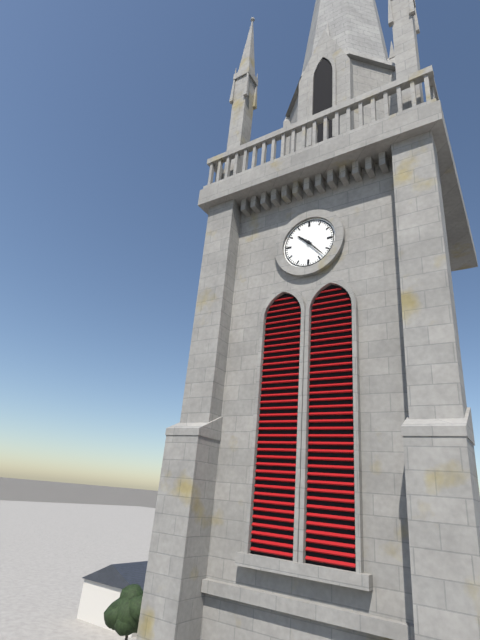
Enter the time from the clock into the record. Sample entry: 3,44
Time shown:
10,23
